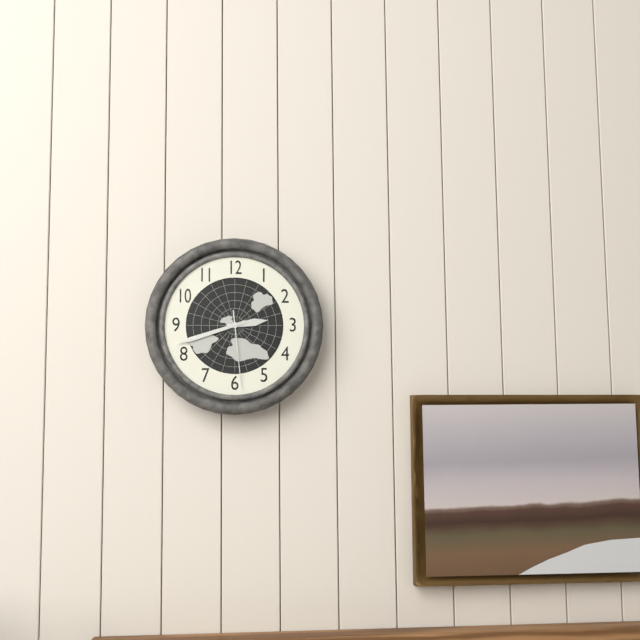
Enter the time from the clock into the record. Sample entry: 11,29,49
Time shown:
2,42,29
